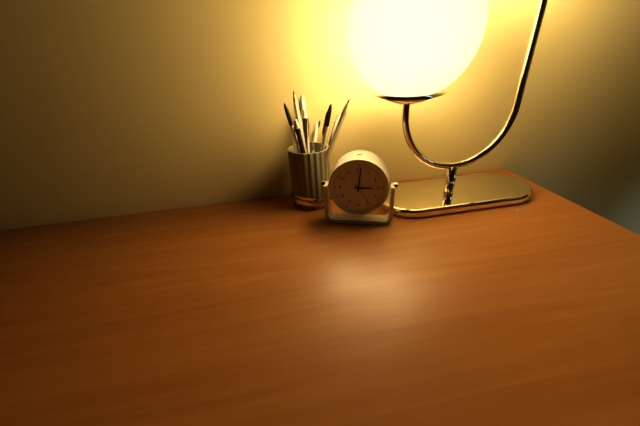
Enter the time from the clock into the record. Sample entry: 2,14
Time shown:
3,01
